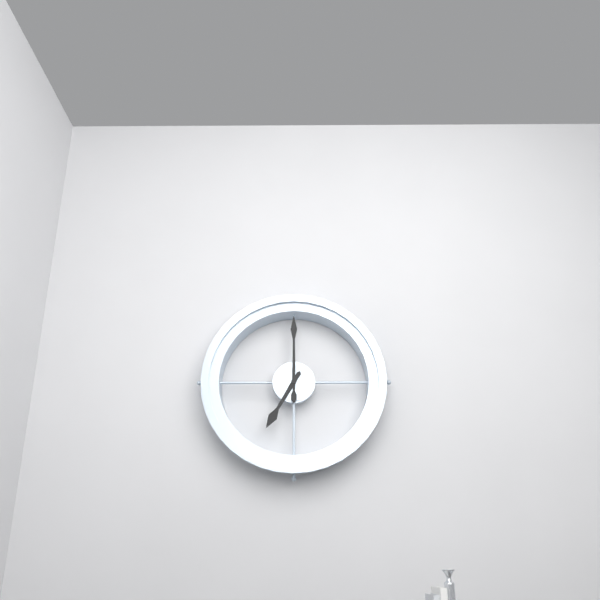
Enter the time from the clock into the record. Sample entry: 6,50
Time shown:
7,00
